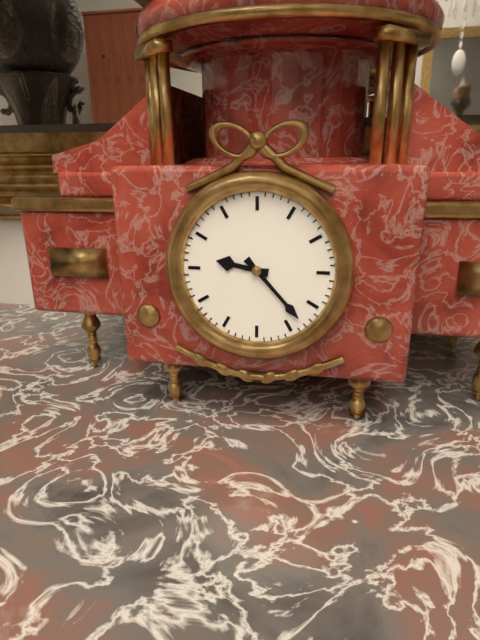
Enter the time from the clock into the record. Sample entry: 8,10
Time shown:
9,23
